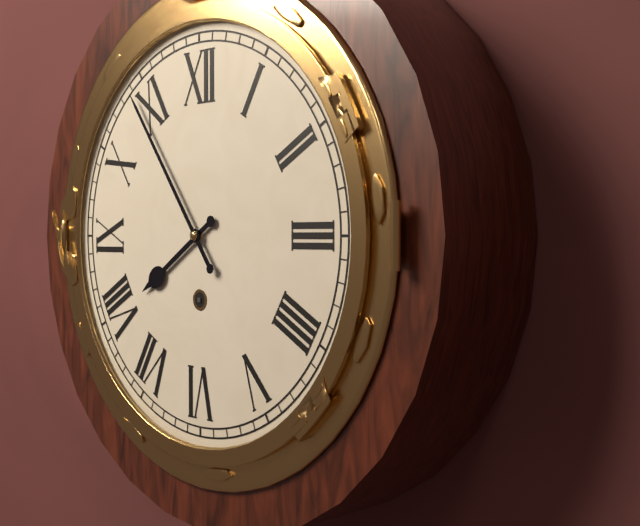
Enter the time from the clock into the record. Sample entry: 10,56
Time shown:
7,54
